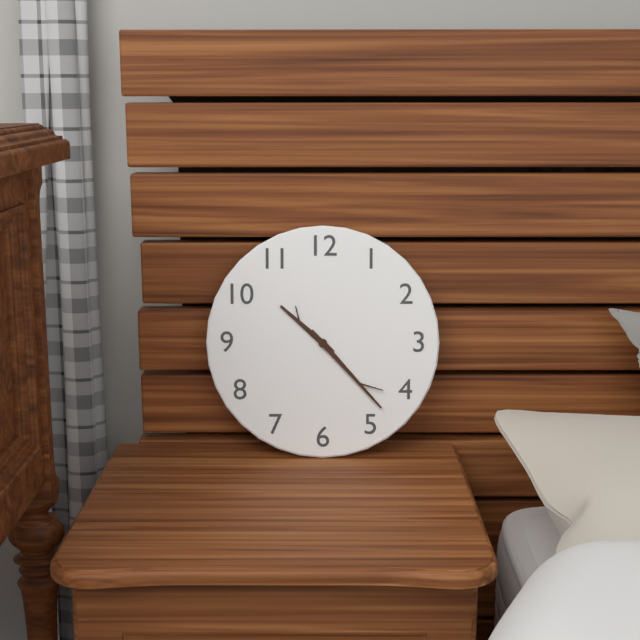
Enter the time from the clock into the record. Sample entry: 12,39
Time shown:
10,23
